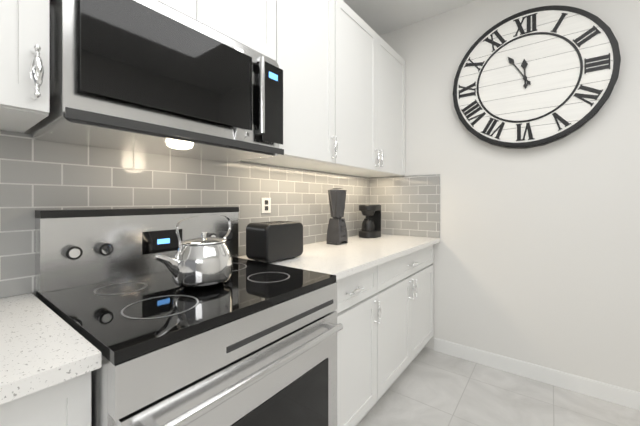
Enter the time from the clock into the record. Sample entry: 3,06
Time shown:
11,55
